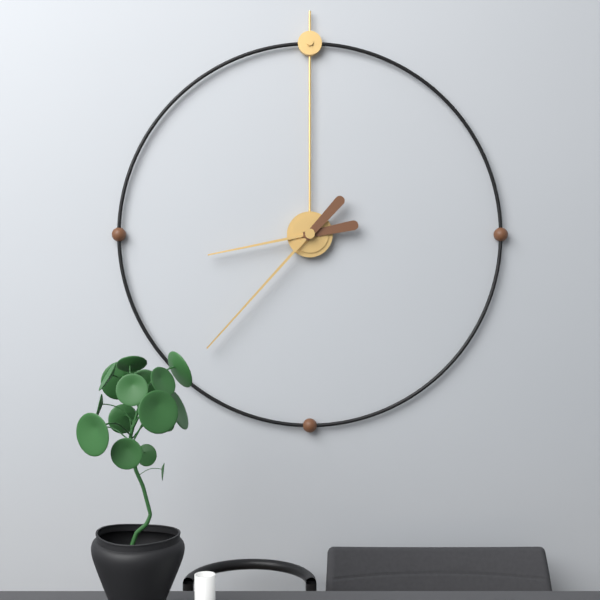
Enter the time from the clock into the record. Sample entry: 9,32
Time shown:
8,37
